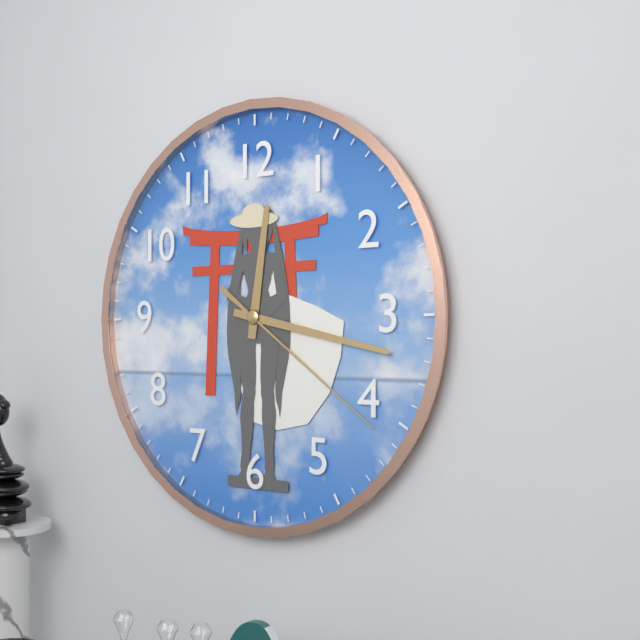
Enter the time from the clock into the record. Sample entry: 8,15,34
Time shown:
12,17,21
